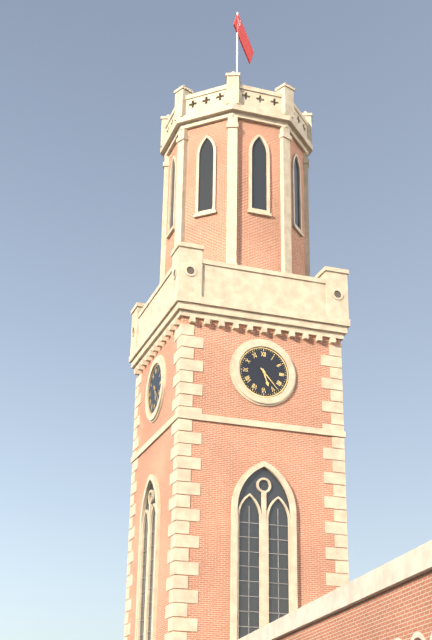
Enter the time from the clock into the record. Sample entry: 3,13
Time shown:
5,23
